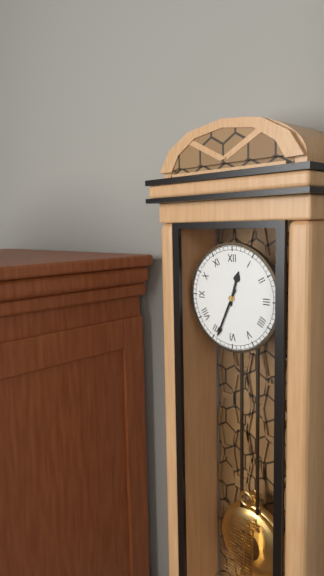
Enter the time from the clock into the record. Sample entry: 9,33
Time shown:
12,34
